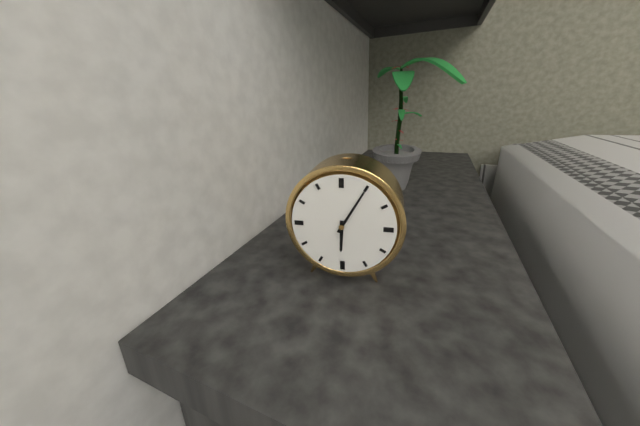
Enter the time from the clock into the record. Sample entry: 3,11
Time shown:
6,05
